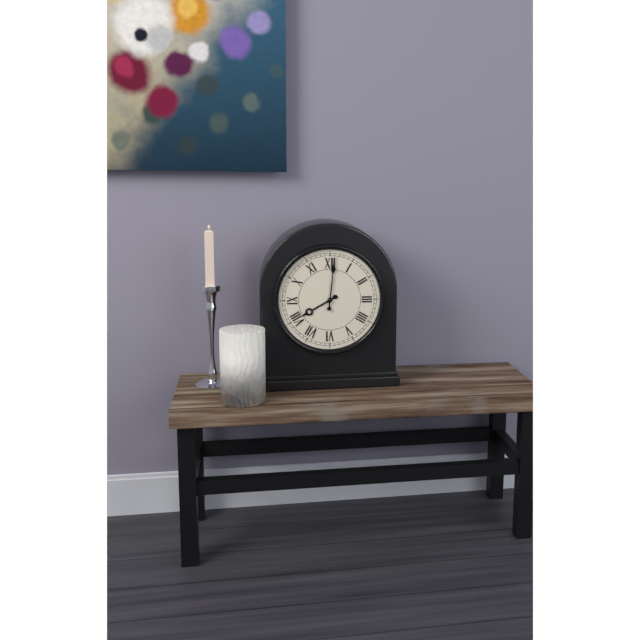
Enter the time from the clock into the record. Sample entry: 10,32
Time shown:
8,01
